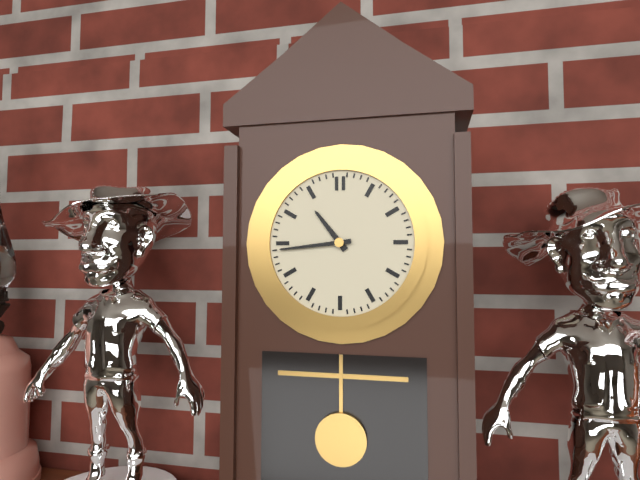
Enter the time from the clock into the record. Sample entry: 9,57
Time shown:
10,44
